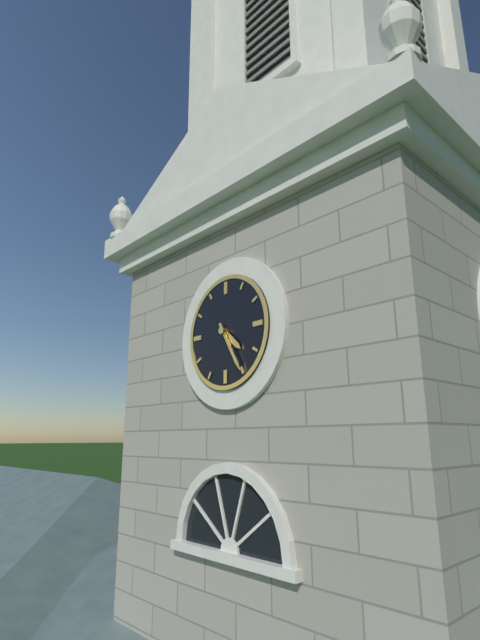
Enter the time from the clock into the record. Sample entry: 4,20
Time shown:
4,25
